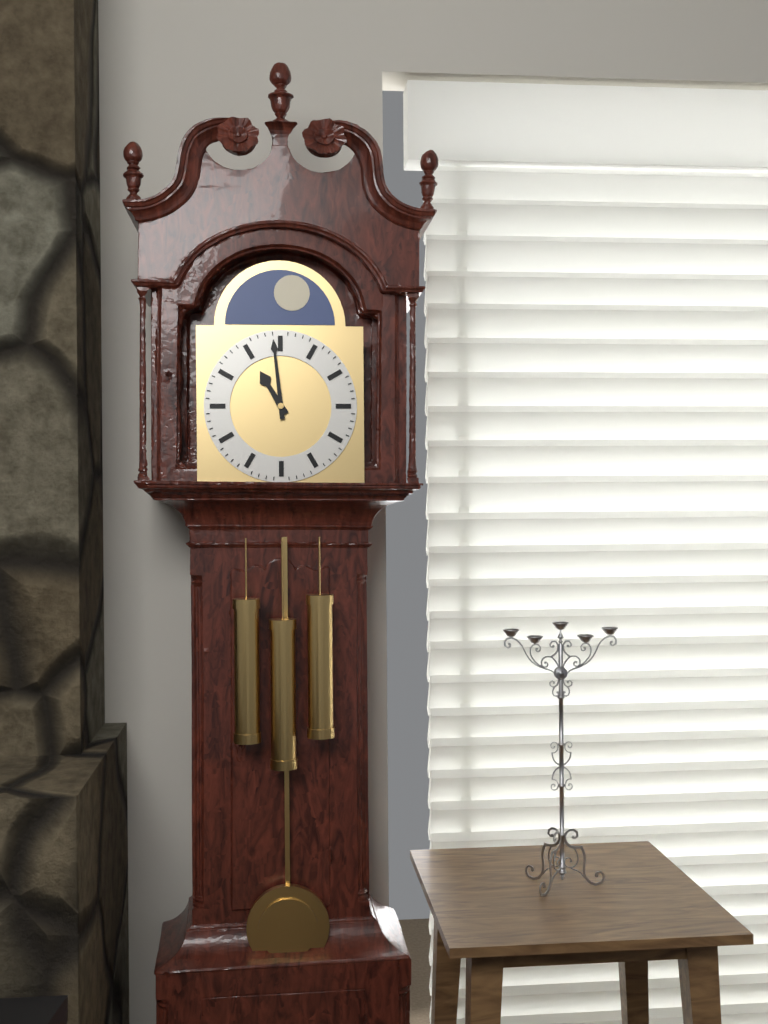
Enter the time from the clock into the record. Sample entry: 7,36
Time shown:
10,59
